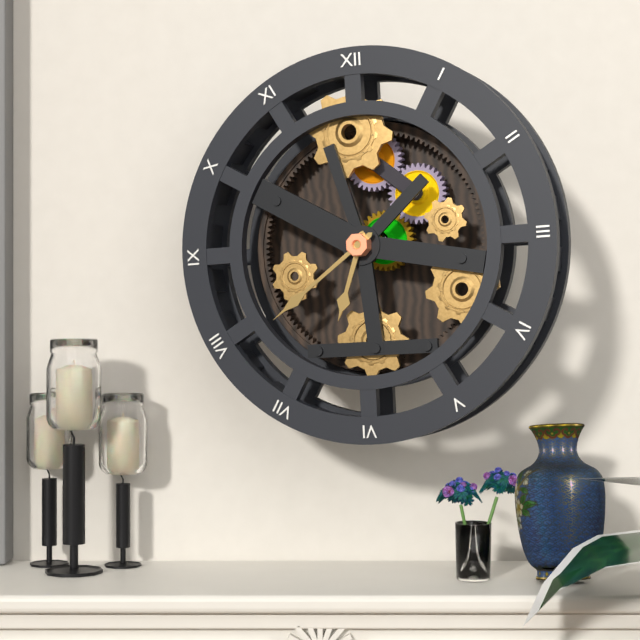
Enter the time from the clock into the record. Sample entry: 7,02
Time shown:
6,39
